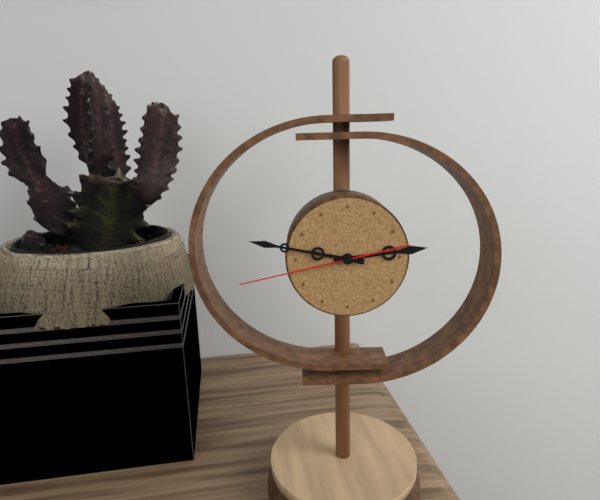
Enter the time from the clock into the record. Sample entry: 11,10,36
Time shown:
2,47,43
